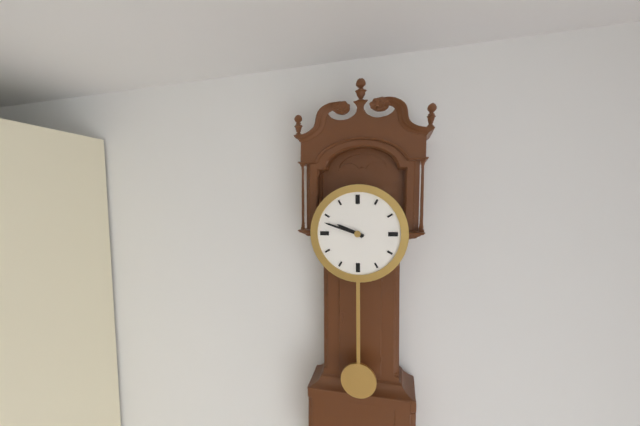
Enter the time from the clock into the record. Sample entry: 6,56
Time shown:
9,48
